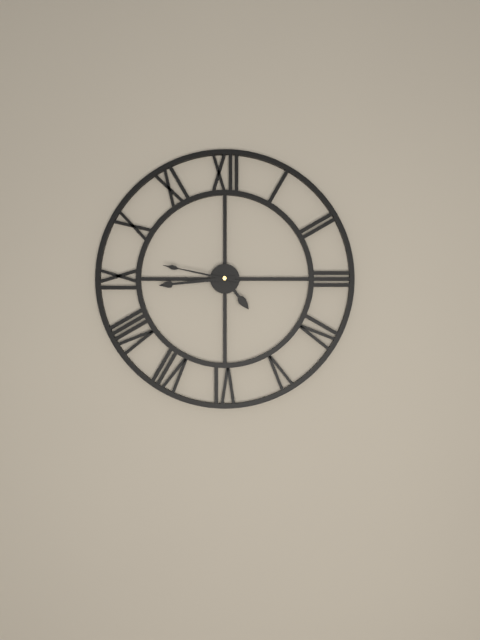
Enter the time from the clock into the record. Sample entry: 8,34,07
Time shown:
4,44,47
